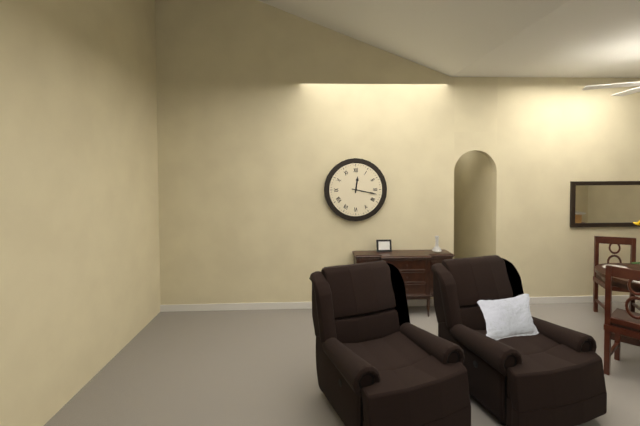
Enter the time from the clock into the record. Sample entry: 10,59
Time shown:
12,17
